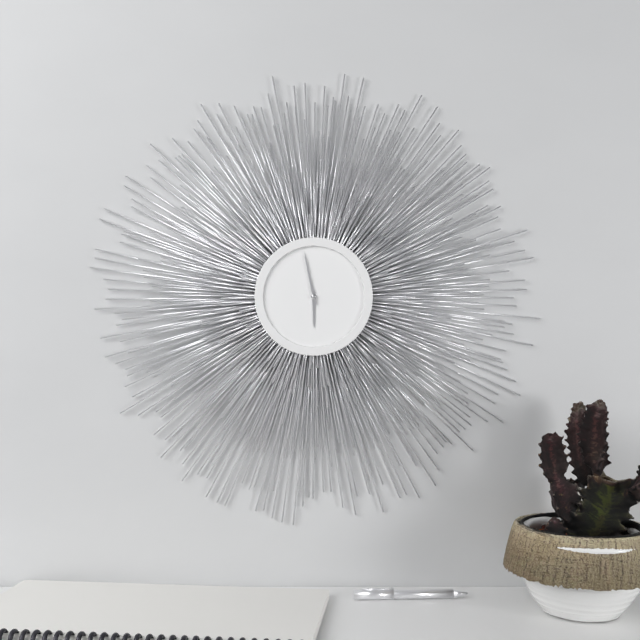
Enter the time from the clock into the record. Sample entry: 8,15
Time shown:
5,58
